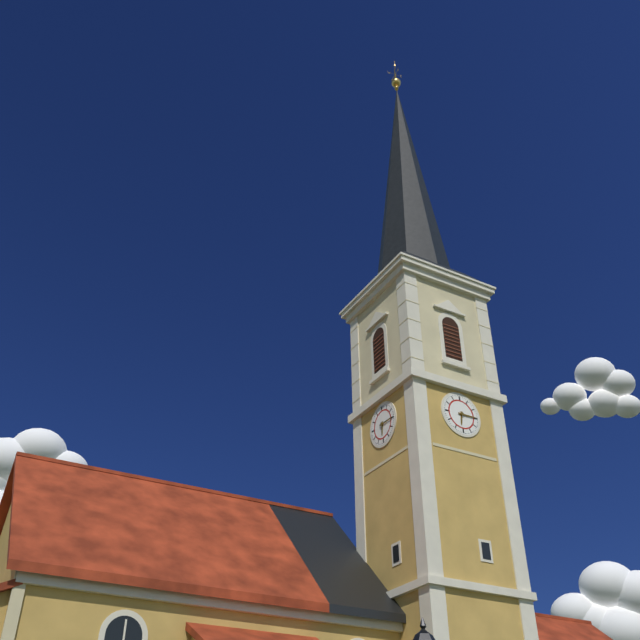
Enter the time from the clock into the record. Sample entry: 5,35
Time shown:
6,15
